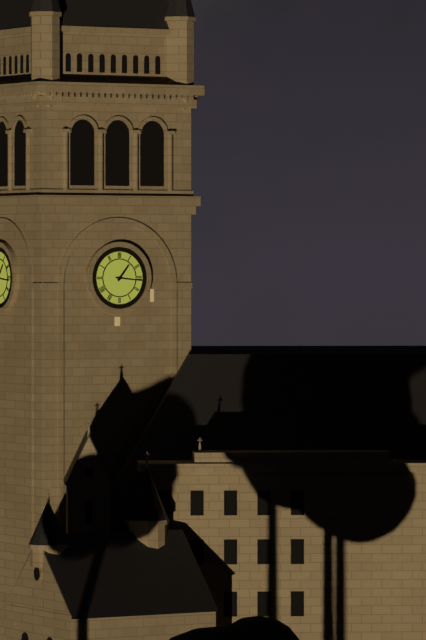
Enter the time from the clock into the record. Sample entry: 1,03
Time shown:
1,16
